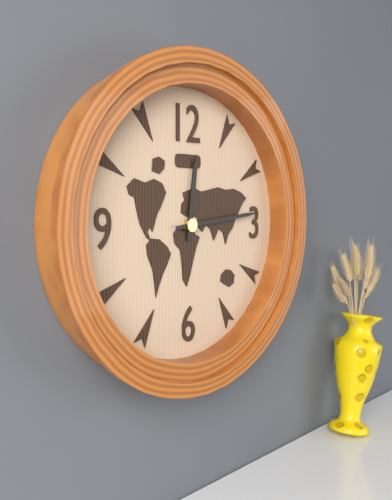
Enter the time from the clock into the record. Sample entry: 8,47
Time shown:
12,14
